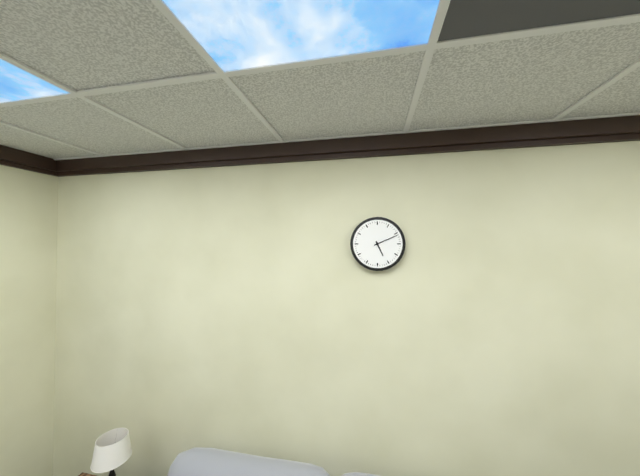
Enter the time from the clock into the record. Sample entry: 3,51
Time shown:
5,11
